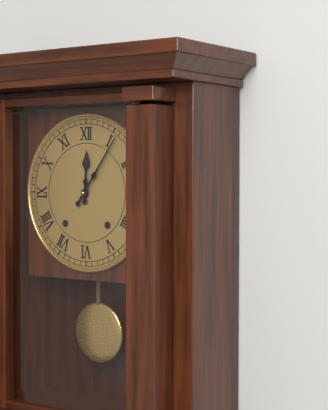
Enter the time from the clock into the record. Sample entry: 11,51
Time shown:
12,06
